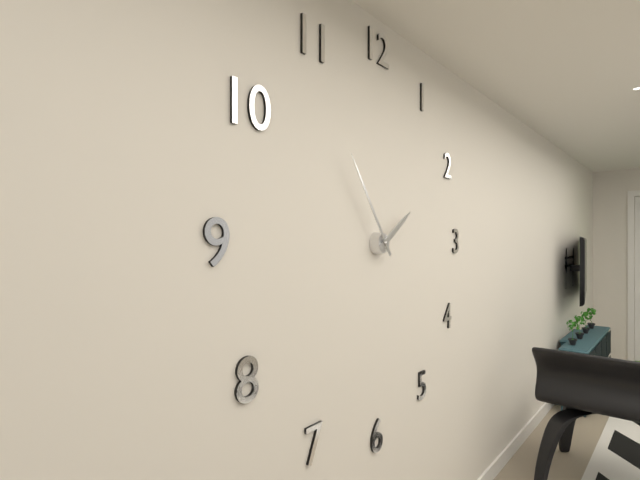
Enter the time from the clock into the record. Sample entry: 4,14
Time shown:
1,54
